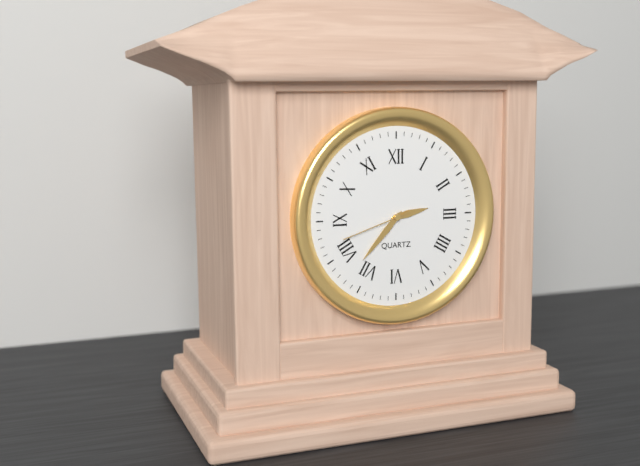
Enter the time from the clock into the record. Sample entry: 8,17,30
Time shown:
2,37,42
